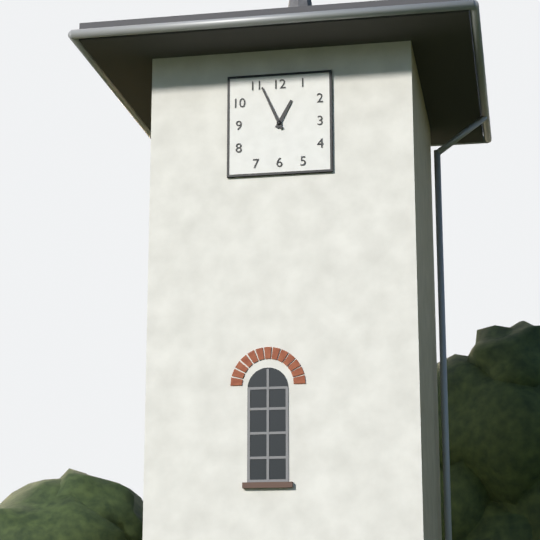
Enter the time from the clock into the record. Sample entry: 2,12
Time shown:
12,56
